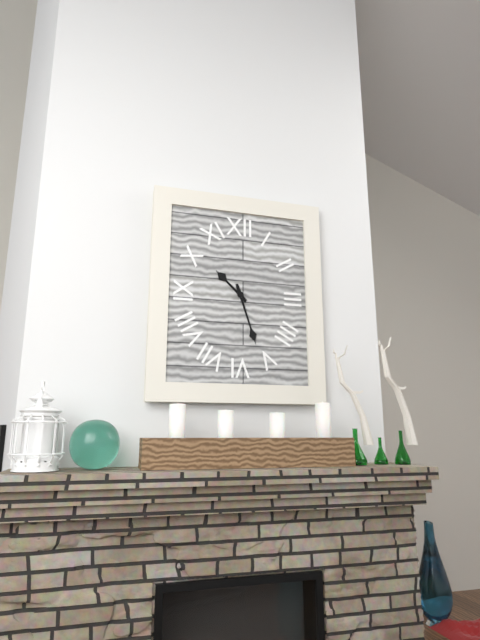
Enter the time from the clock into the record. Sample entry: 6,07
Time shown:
10,27
